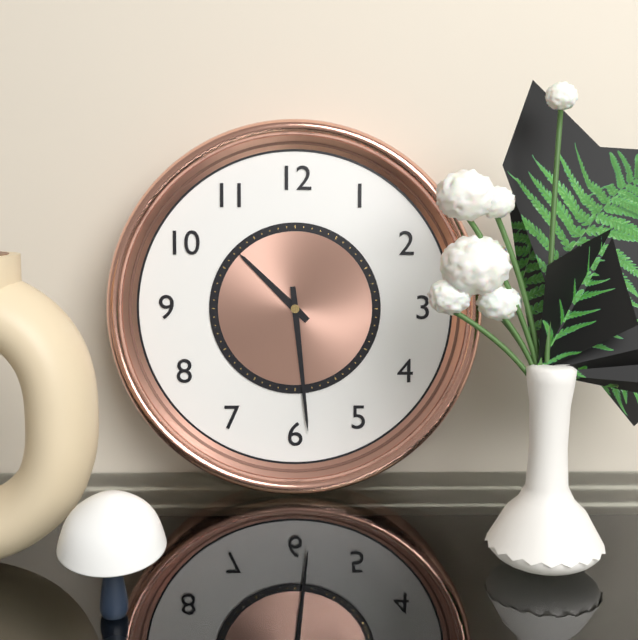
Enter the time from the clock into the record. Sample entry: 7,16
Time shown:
10,29
